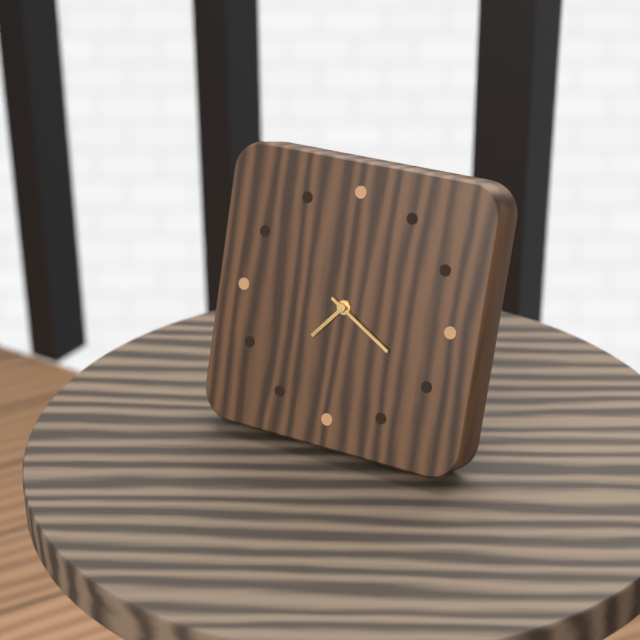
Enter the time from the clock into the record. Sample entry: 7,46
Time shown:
7,20
